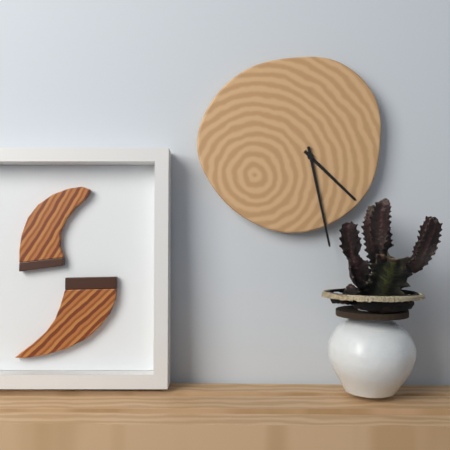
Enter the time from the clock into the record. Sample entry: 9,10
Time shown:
4,28
